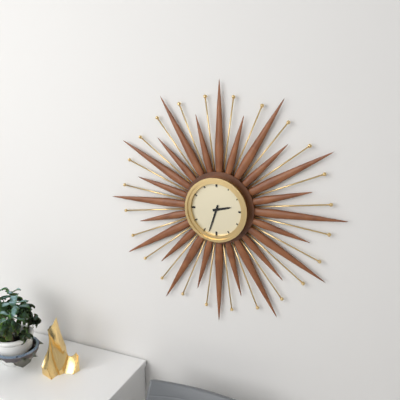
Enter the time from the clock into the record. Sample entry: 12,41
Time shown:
2,33
